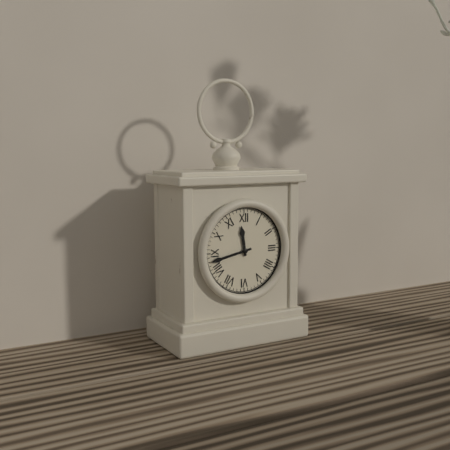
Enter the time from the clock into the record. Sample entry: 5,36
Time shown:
11,43
